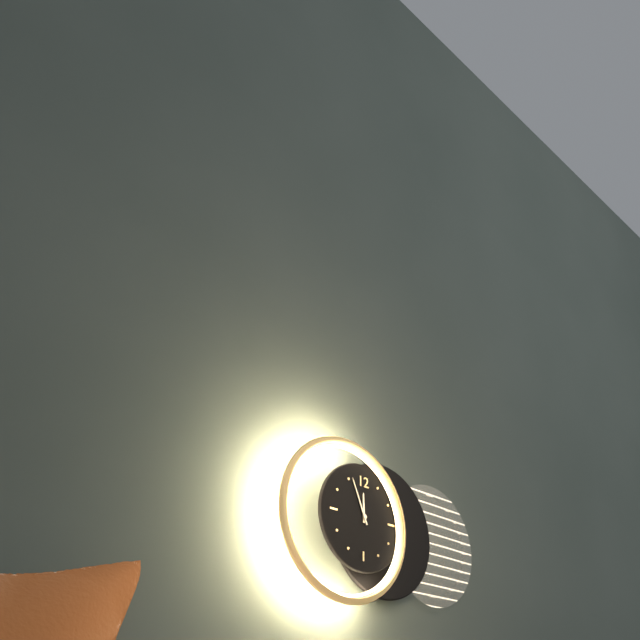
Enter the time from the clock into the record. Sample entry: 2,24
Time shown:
11,56
